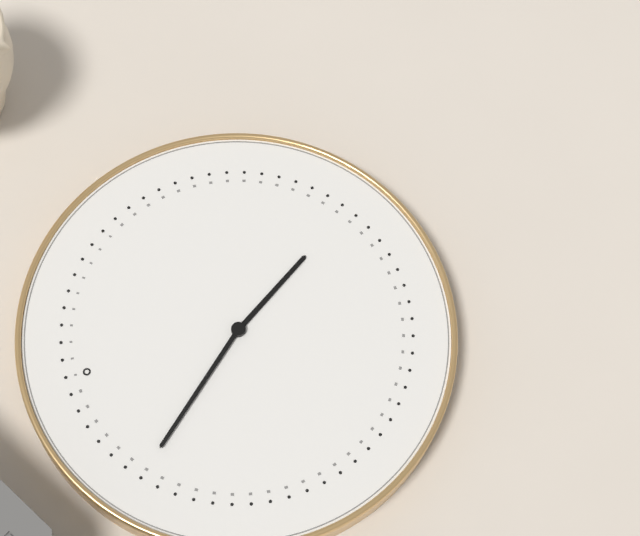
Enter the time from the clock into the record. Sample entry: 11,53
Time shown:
4,53
